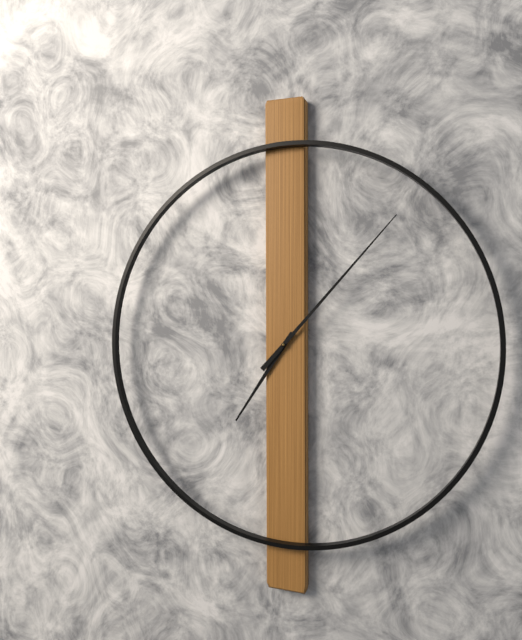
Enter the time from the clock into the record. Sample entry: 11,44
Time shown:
7,07
